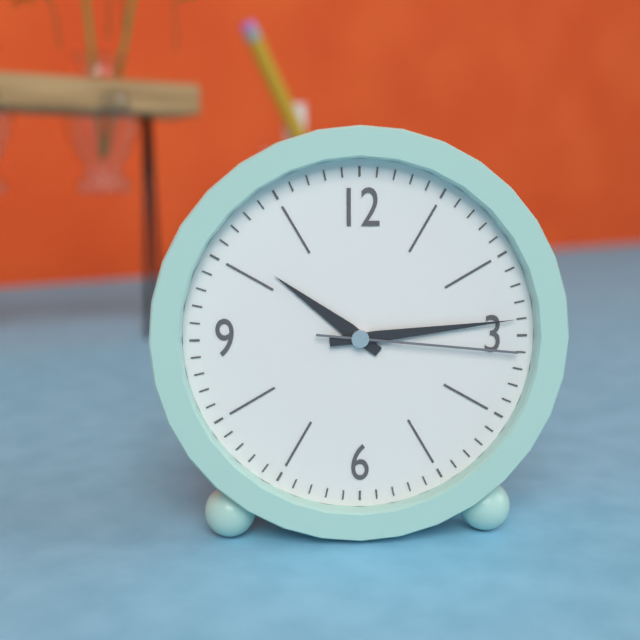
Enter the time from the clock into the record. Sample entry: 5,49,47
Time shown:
10,14,16
